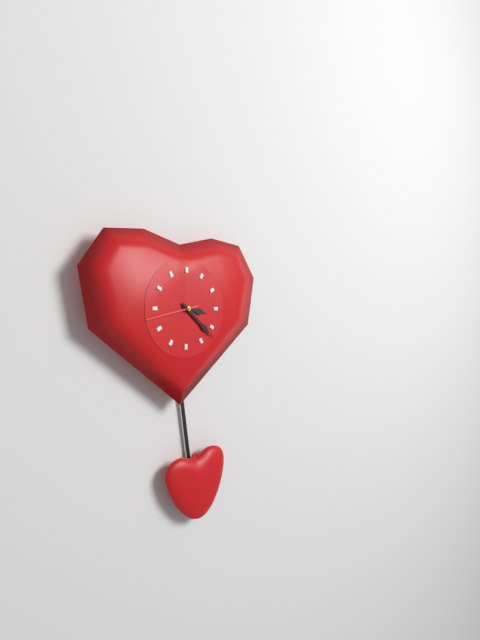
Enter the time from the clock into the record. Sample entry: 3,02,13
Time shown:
3,22,43
